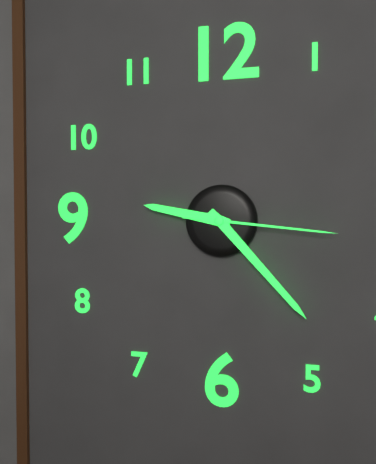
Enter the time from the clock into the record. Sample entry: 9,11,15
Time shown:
9,23,16
